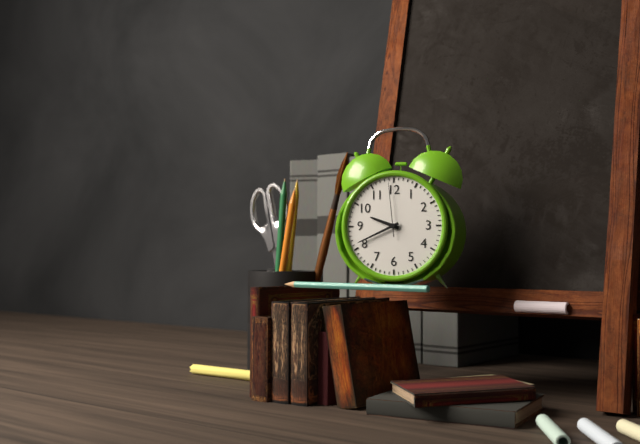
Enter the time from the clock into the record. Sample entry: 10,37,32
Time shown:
9,41,59
